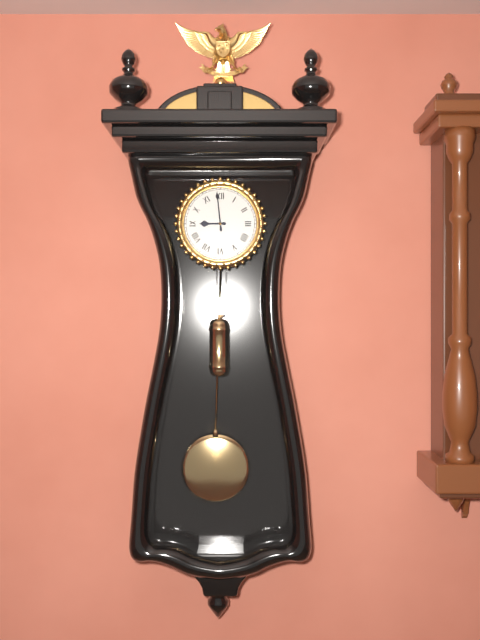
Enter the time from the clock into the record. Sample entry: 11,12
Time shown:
8,59
